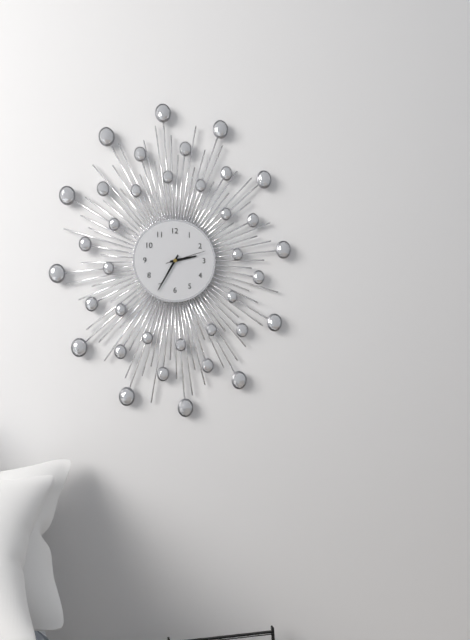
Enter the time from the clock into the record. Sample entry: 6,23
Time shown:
2,35
